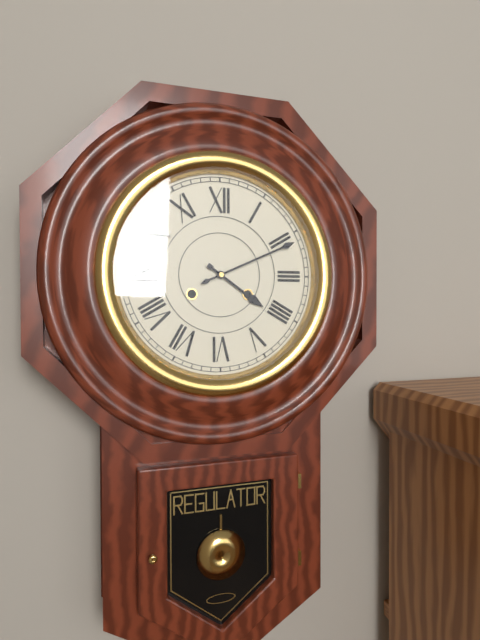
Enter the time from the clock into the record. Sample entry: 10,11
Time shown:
4,11
